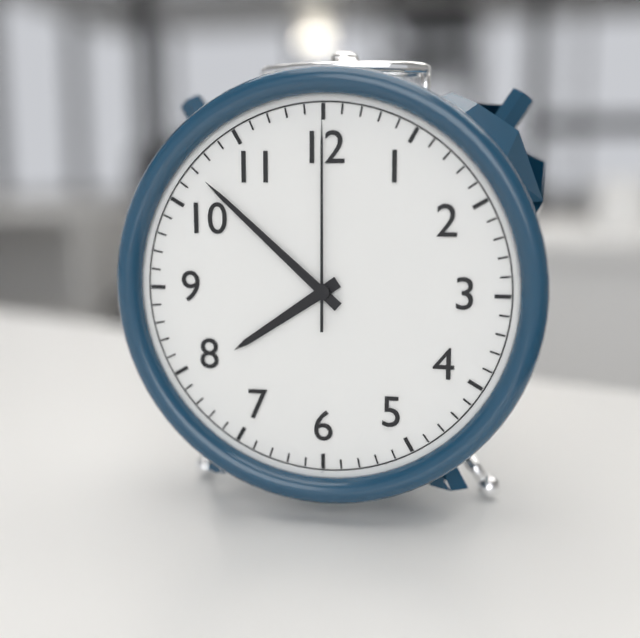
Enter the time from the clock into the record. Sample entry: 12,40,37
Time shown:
7,52,00
